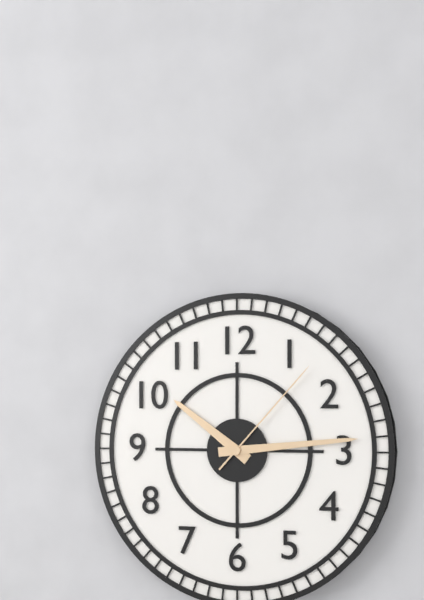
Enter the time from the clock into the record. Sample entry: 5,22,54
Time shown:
10,14,07
